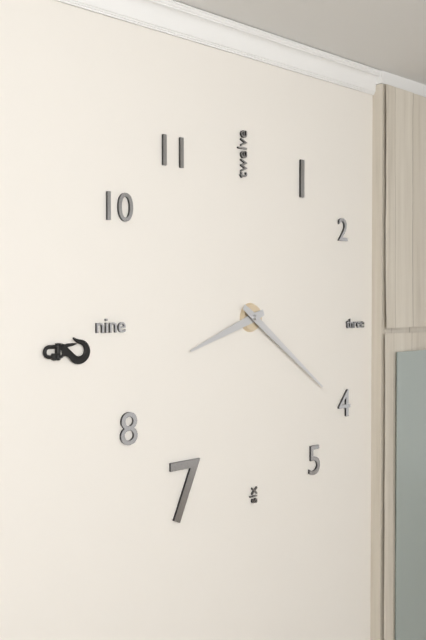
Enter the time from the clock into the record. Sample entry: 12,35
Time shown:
8,21
